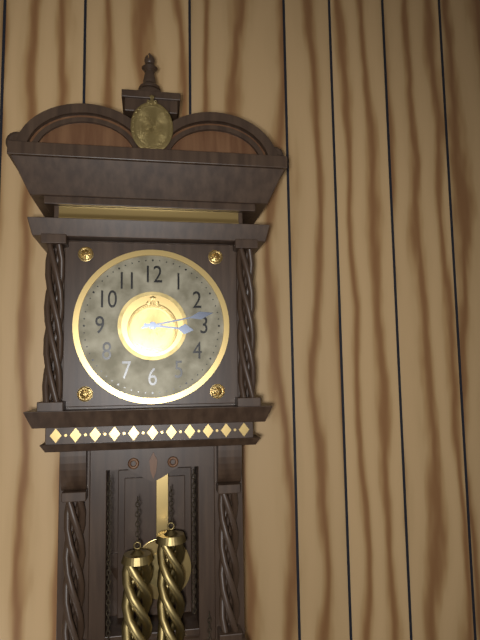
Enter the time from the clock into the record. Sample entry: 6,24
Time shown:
3,13
